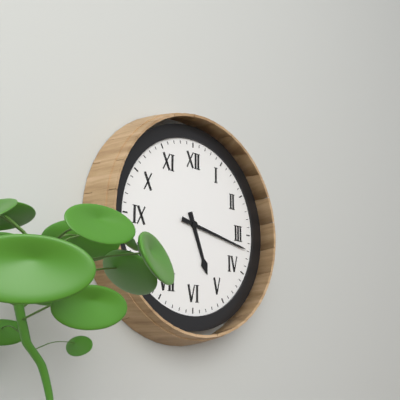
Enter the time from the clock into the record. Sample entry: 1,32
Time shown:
5,17
